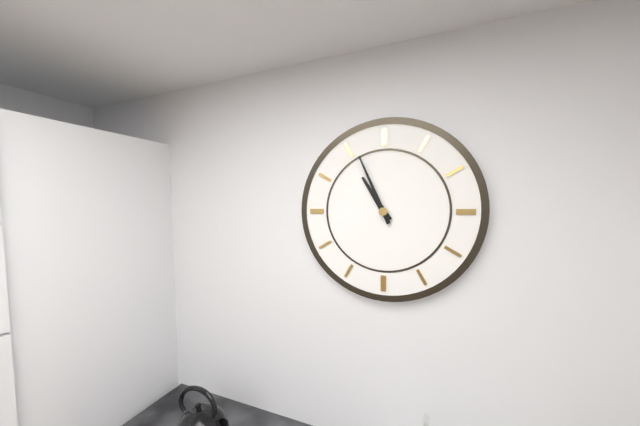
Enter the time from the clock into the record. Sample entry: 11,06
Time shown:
10,56
